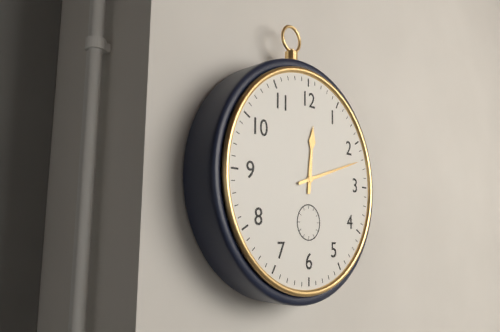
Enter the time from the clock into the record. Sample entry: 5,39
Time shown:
12,12
